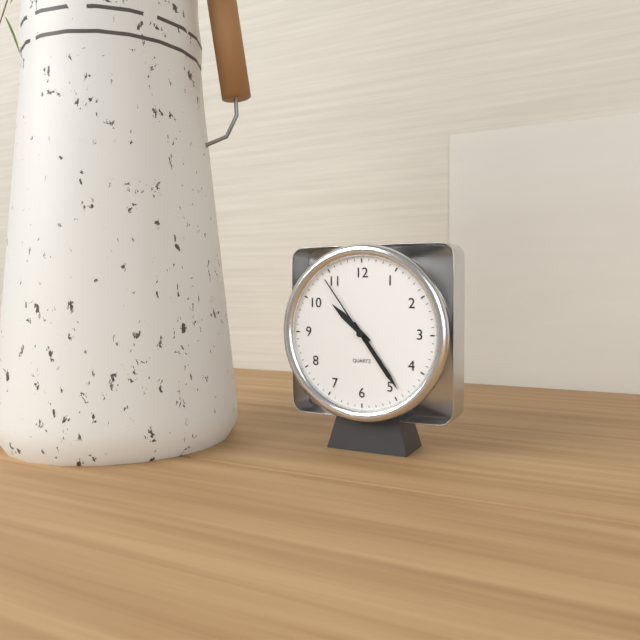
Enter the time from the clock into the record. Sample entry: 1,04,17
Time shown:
10,24,54
